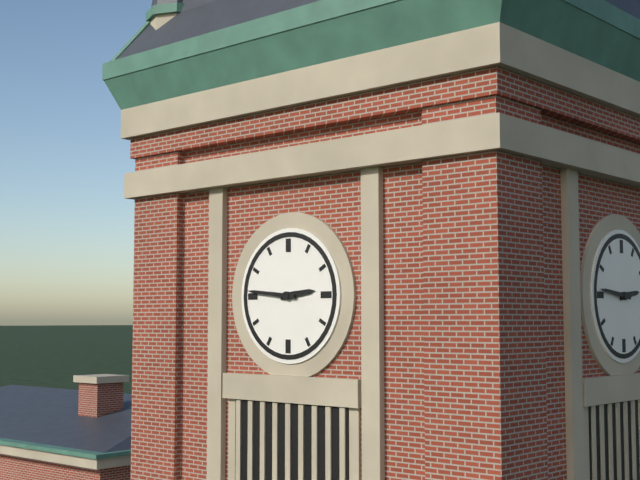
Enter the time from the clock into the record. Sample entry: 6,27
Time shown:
2,46
